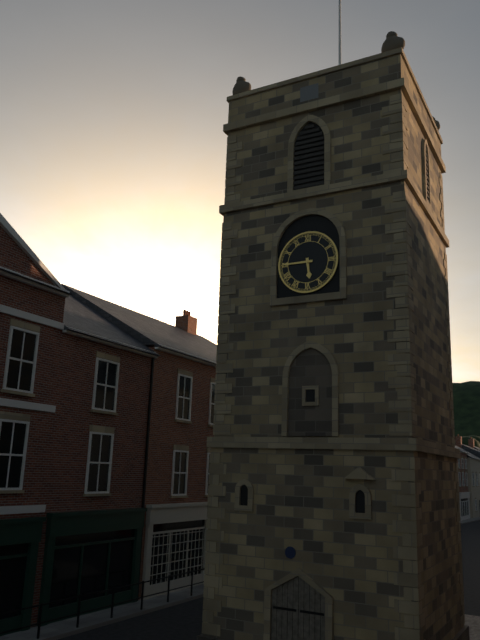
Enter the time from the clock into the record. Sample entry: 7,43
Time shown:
5,45
